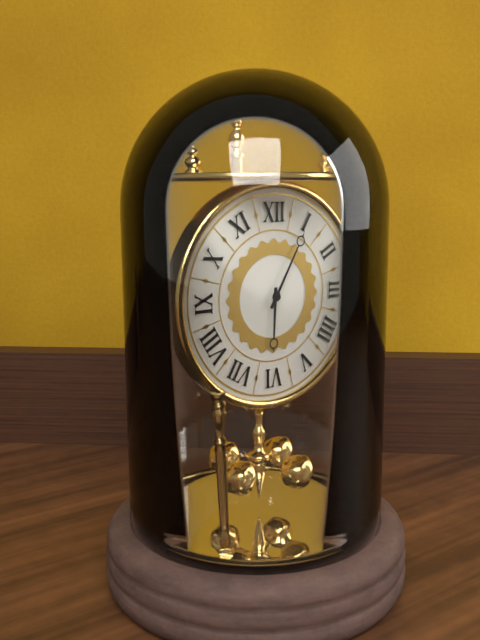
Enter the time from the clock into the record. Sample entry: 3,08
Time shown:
6,05
